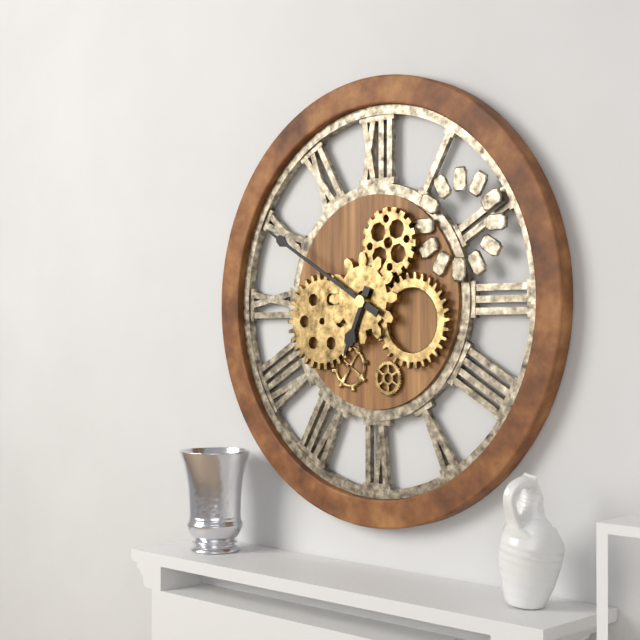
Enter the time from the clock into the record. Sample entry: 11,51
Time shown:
6,50
